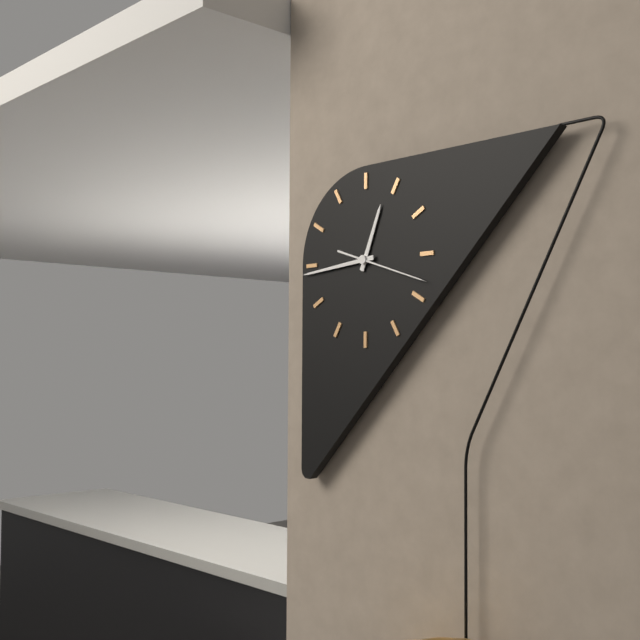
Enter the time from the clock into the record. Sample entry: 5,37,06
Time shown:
12,44,18
